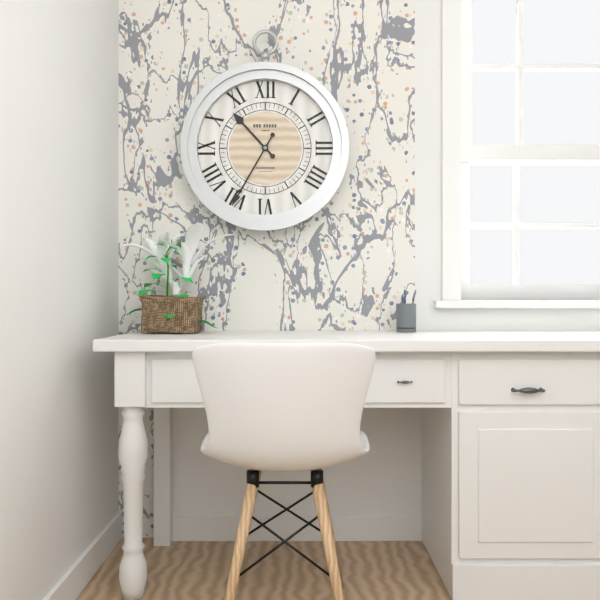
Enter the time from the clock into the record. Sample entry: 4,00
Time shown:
10,35
